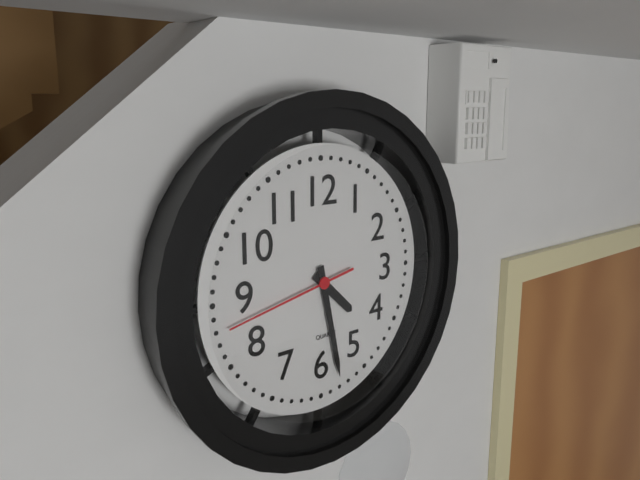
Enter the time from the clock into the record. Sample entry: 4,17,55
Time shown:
4,28,43
